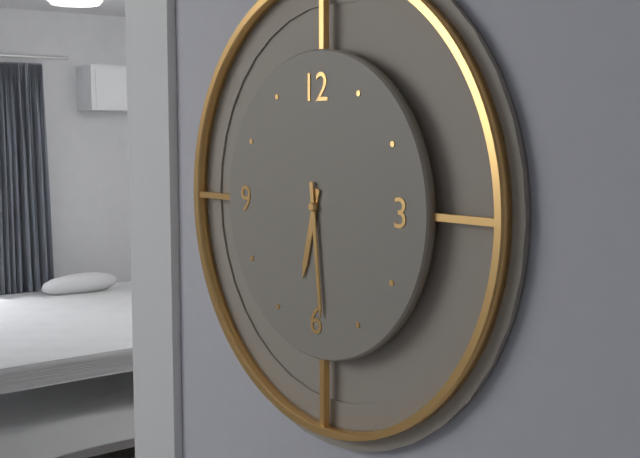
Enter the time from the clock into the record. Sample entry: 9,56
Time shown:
6,29
